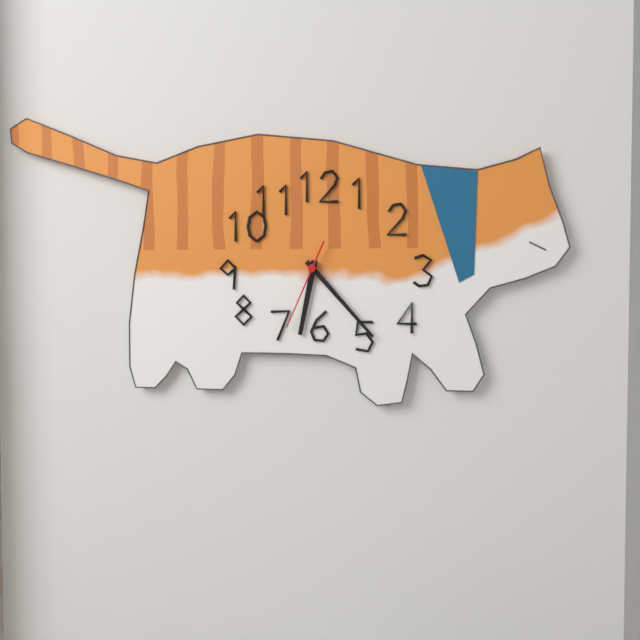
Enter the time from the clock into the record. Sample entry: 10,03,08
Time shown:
6,23,34
